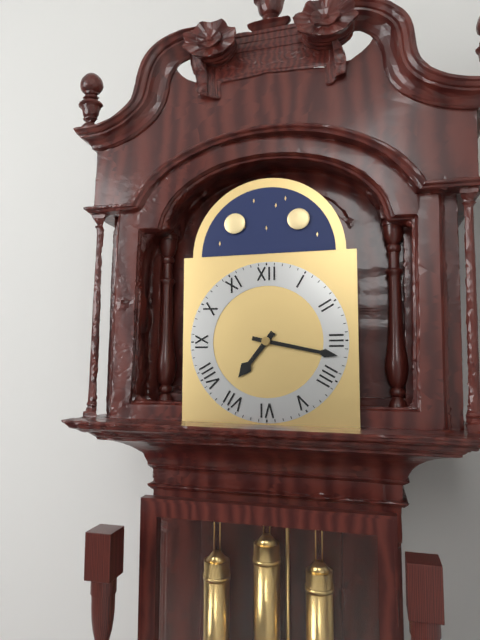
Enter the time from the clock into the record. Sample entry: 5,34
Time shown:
7,17
